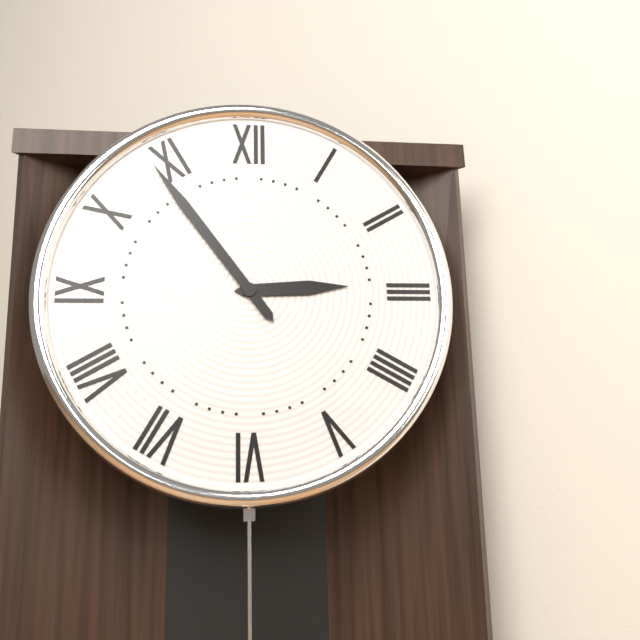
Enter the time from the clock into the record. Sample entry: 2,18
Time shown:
2,54
